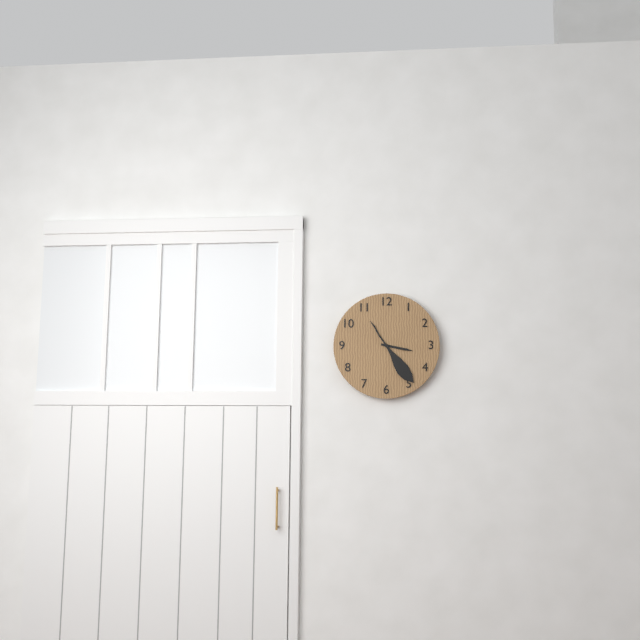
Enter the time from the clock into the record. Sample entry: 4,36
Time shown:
3,24
